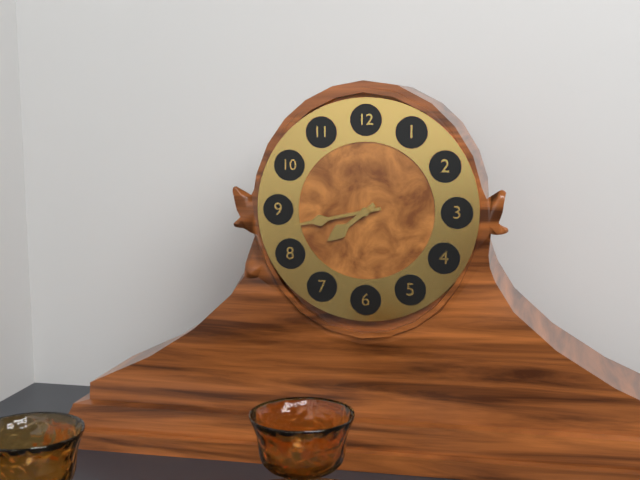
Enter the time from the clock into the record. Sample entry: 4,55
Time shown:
7,43
